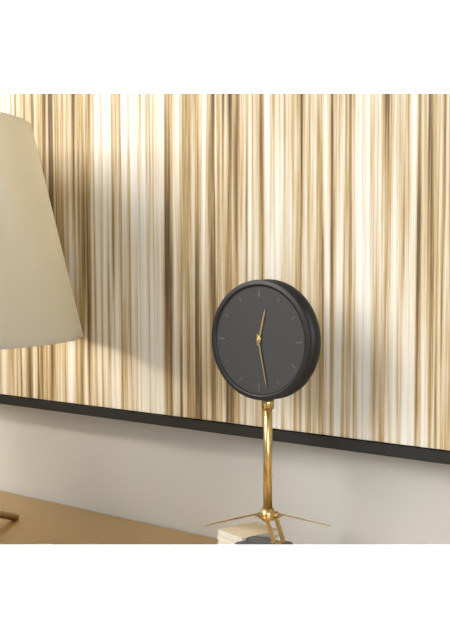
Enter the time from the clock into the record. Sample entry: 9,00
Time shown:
12,28
